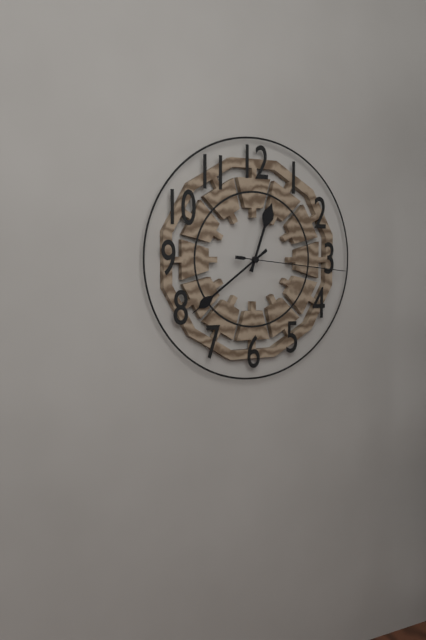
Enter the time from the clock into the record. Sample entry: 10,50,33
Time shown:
12,39,16
